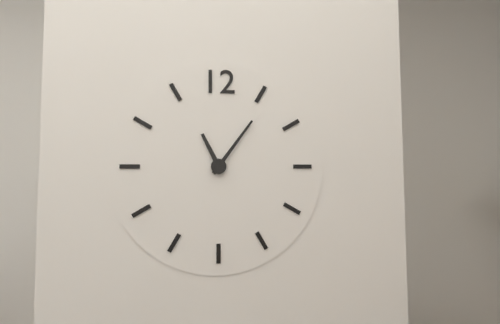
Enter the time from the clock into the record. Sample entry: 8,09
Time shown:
11,06
